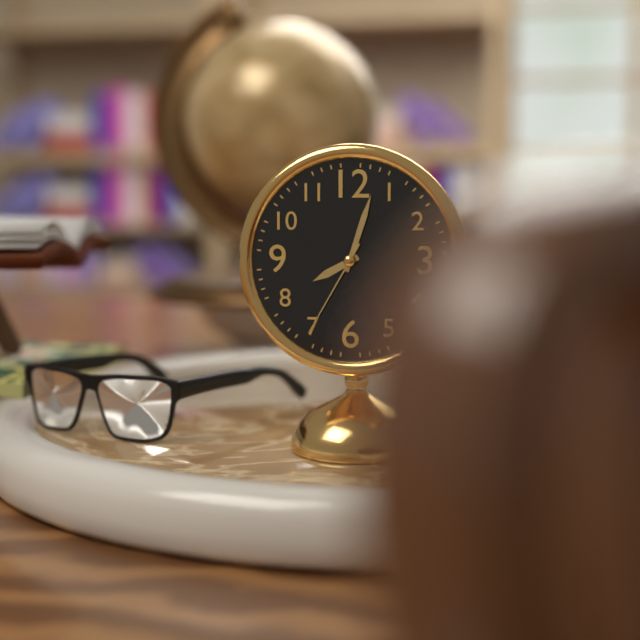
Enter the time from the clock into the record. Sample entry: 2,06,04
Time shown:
8,03,35
